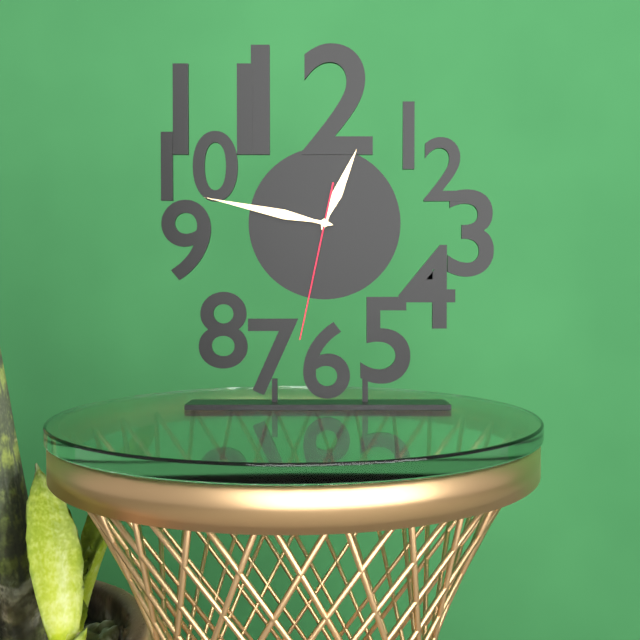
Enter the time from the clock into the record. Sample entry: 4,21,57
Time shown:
12,47,32
